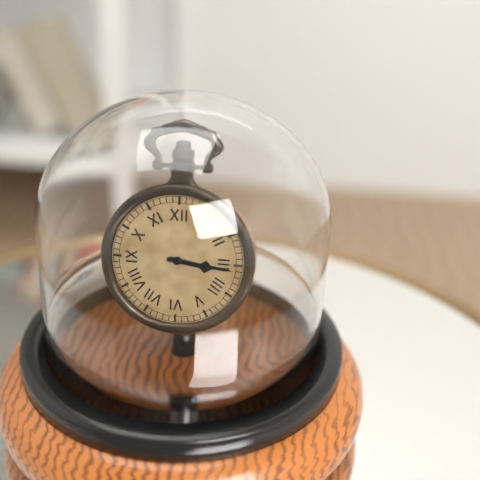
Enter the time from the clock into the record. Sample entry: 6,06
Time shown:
3,16
